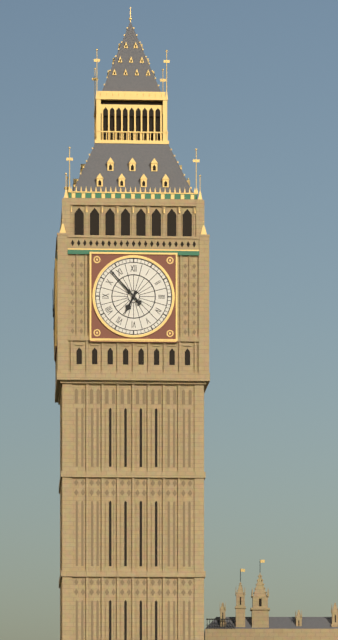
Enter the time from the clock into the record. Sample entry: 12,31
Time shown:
6,53
